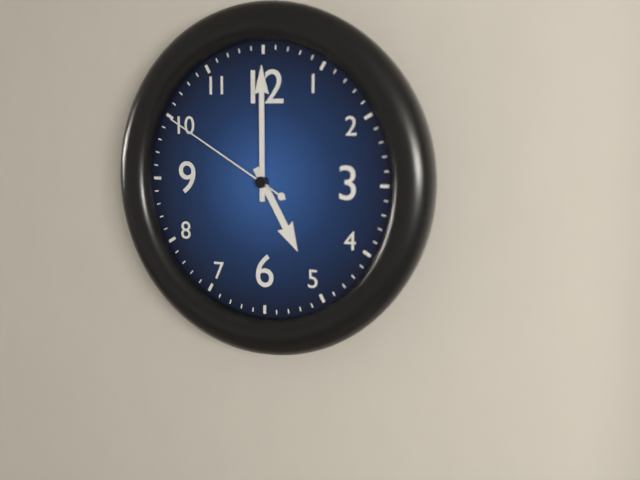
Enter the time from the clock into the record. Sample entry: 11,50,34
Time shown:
5,00,50
